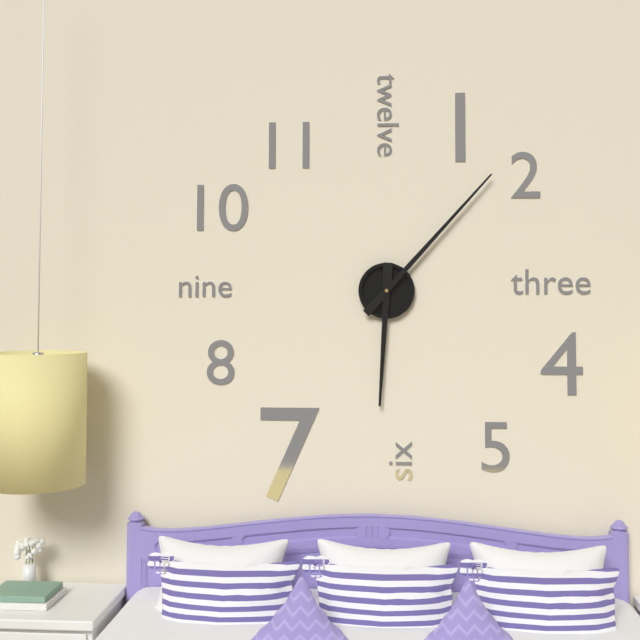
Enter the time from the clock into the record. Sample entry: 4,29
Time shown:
6,07
